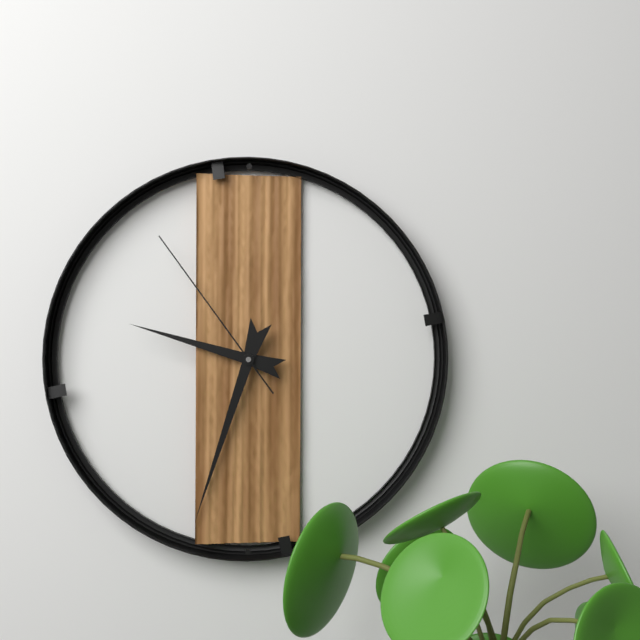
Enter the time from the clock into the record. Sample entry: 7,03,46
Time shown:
9,33,54
